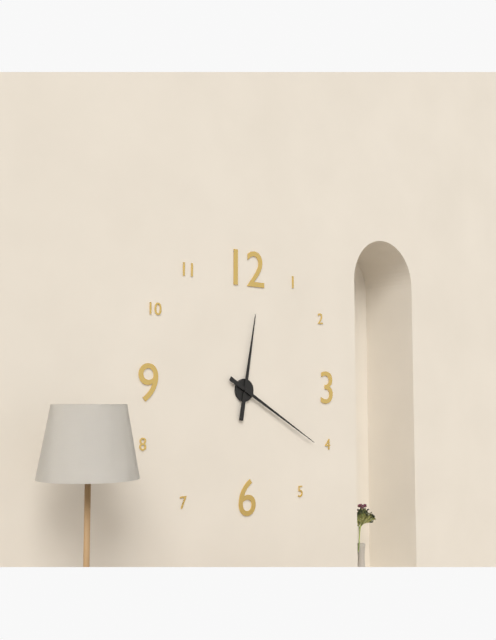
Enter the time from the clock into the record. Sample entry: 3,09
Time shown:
12,20
